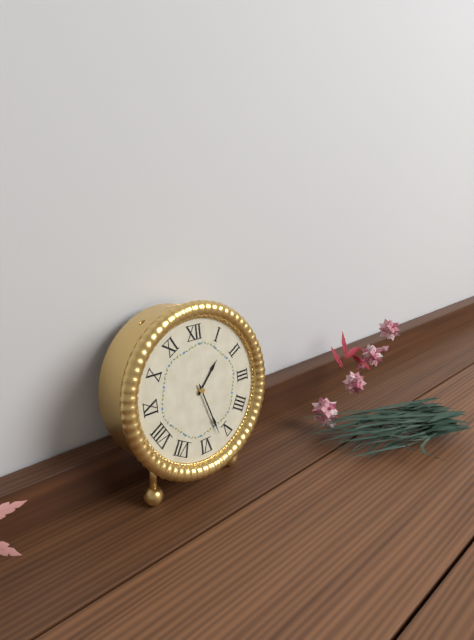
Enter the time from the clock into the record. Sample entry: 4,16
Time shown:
1,27
